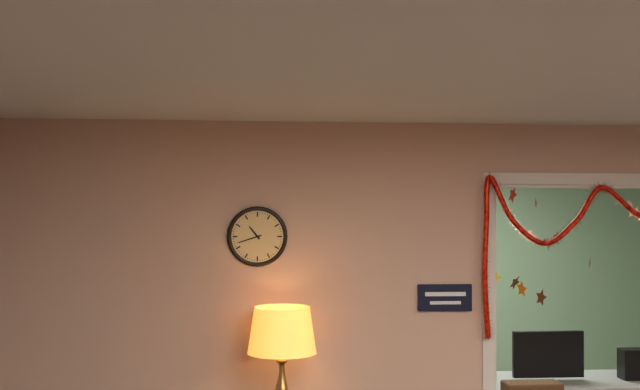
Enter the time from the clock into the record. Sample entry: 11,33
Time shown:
10,42
